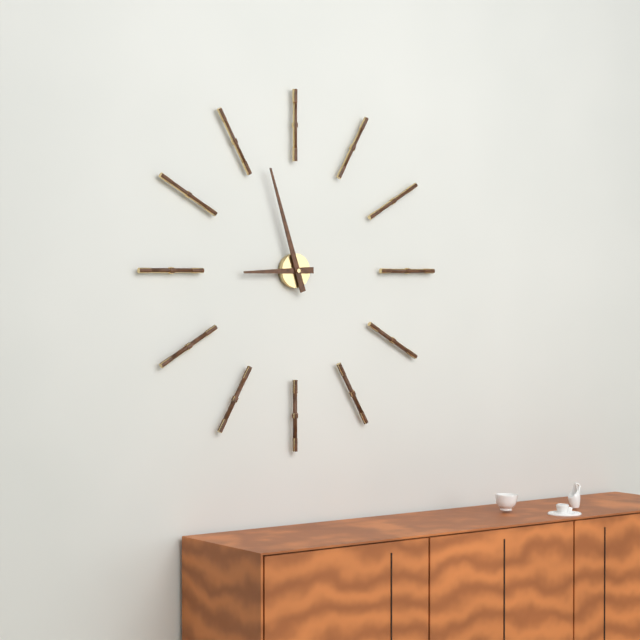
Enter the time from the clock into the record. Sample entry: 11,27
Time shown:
8,57
